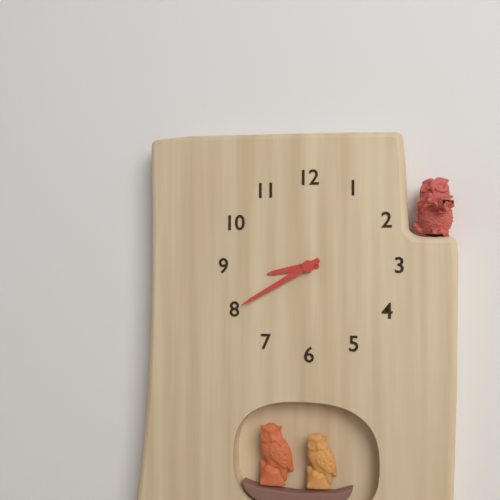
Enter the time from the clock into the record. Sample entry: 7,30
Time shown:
8,40
